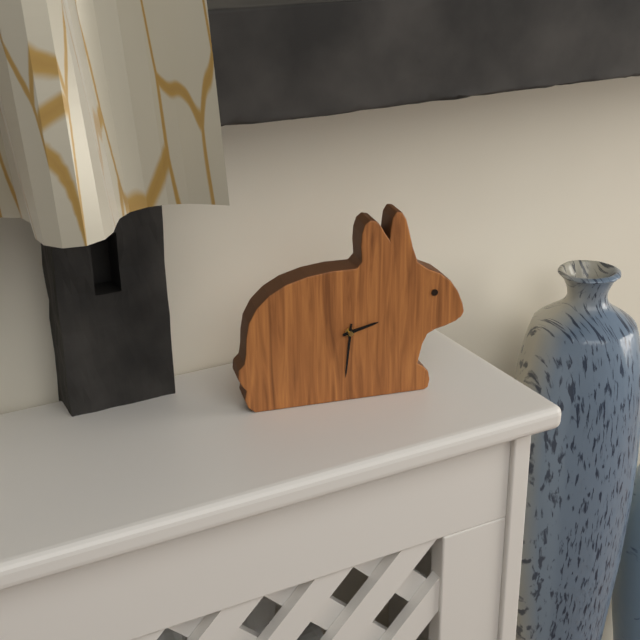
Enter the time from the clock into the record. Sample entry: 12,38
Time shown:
2,31
